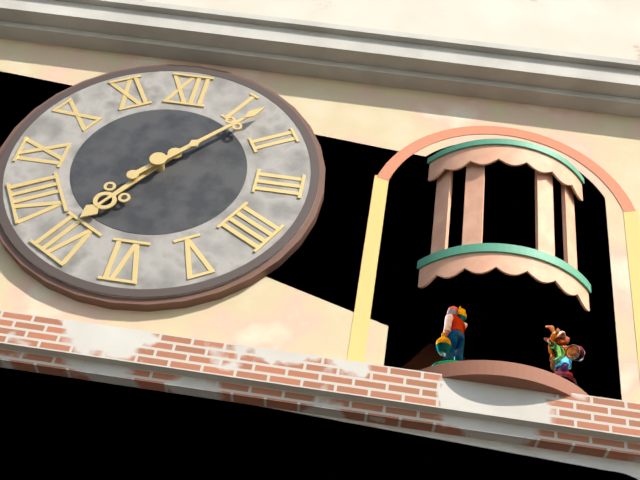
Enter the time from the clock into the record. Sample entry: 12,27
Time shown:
7,07
